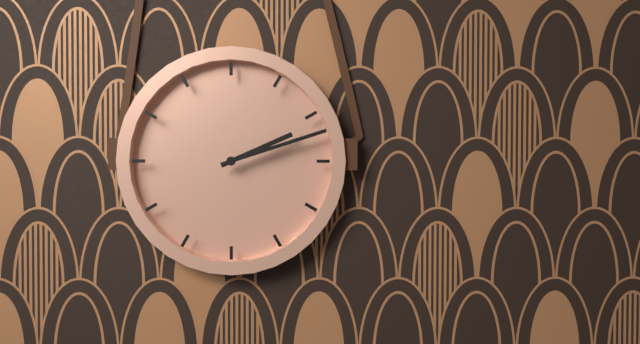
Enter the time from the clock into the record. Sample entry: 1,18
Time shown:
2,12
